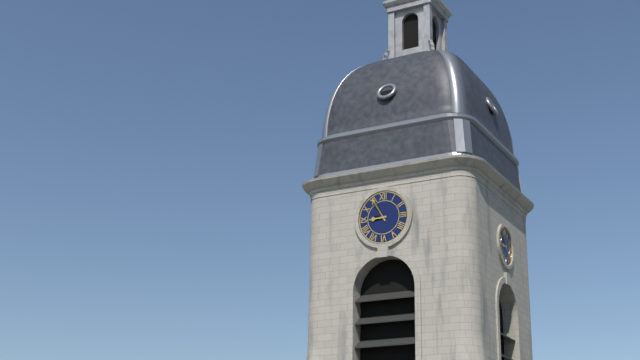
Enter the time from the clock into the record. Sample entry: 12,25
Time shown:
8,55
